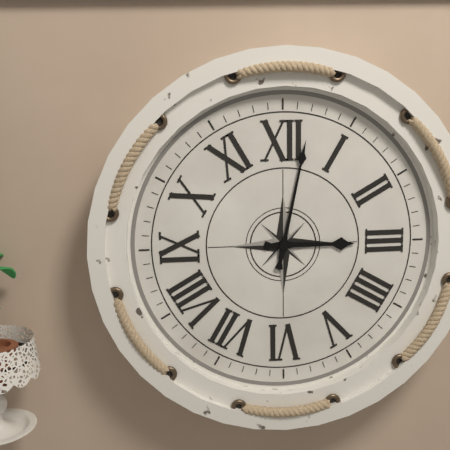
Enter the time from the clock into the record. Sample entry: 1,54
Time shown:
3,02
